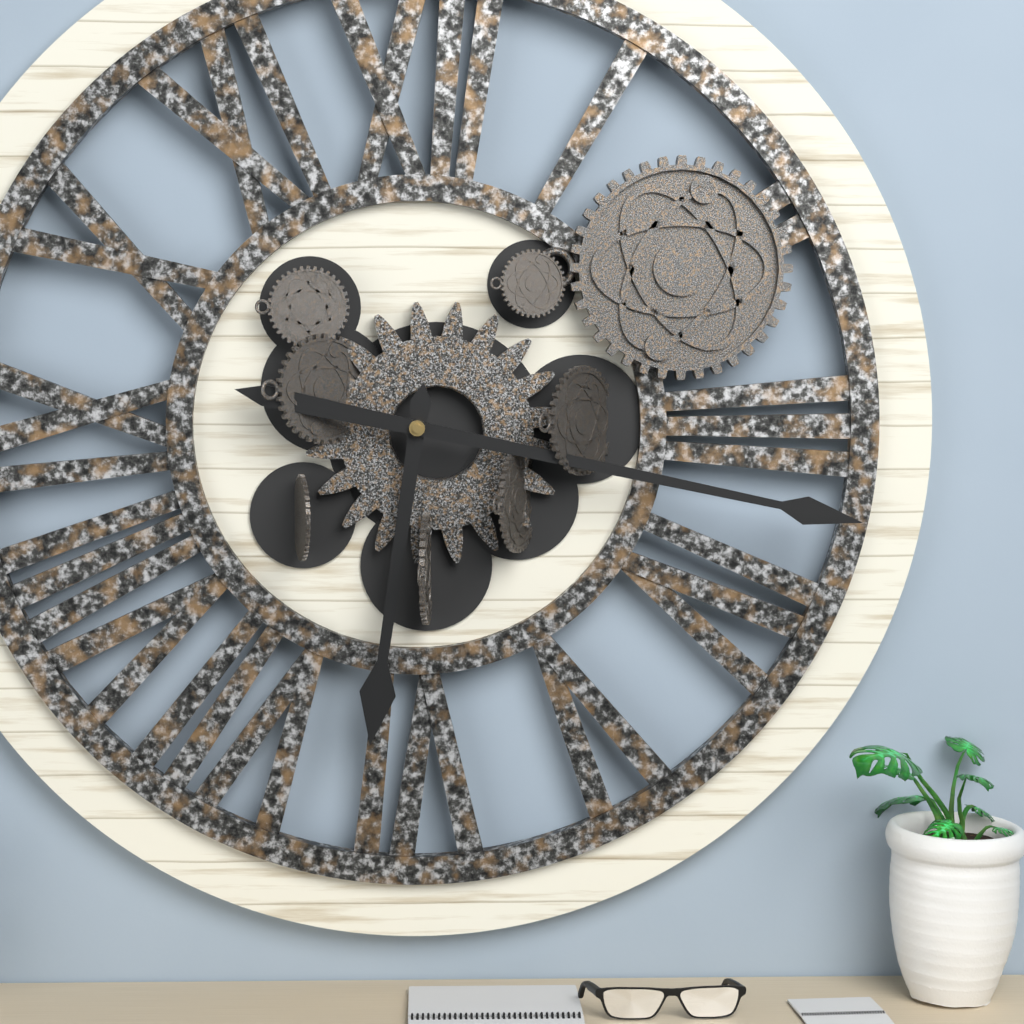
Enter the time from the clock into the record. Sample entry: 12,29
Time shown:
6,17
